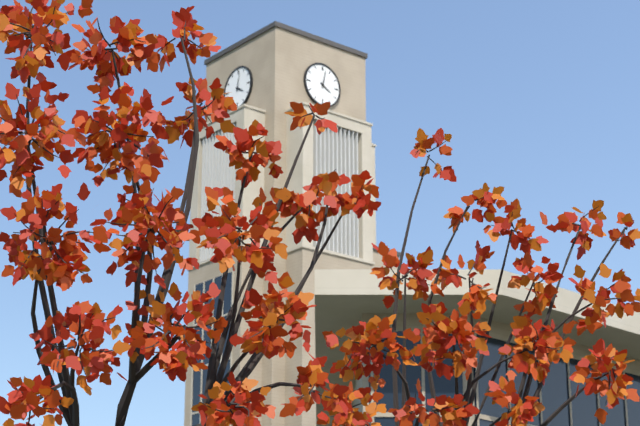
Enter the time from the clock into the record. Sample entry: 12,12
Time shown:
4,02
